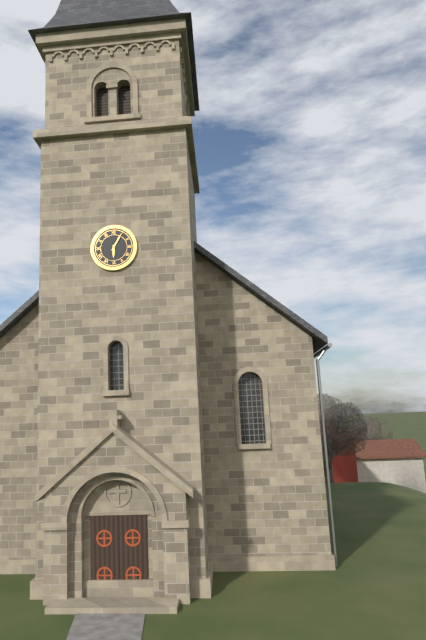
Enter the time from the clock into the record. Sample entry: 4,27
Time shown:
6,05
